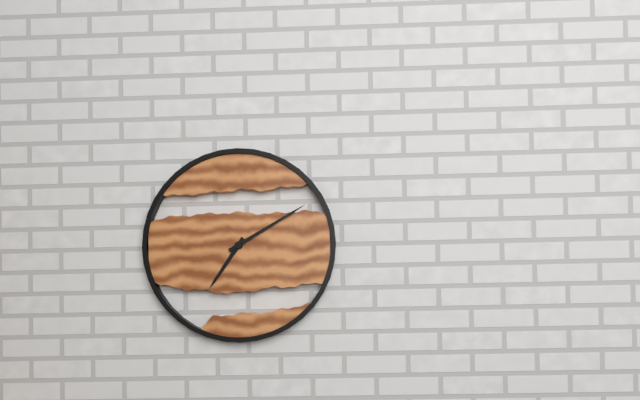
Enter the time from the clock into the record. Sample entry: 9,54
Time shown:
7,10
